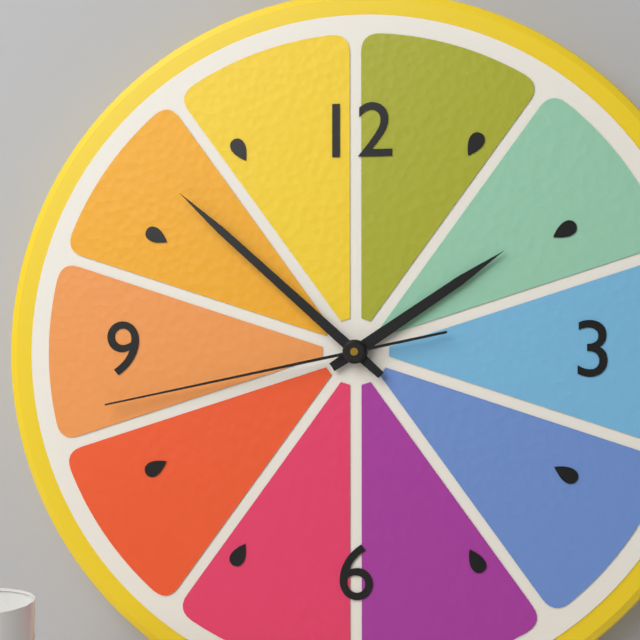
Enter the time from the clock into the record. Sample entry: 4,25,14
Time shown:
1,52,43
